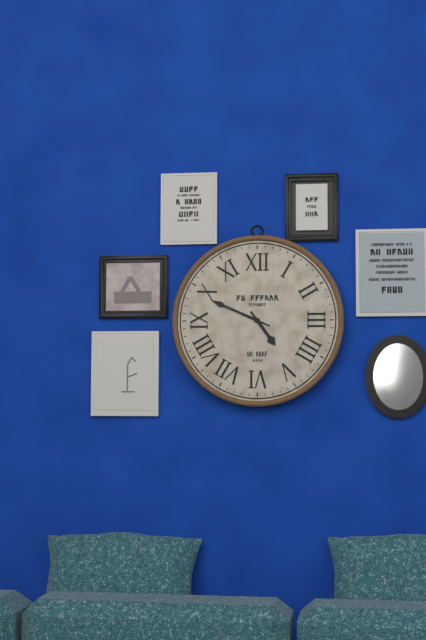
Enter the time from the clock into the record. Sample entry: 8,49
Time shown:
4,49
